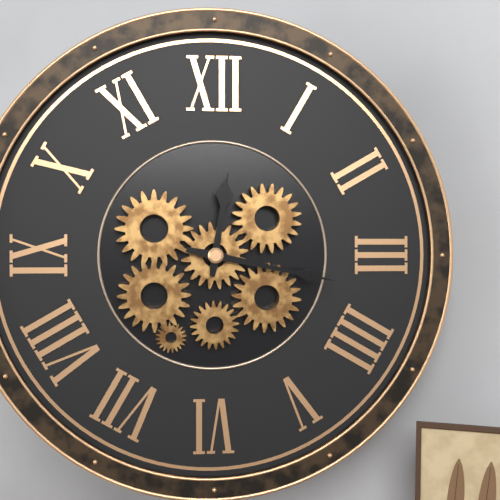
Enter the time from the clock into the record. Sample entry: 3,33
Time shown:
12,17
